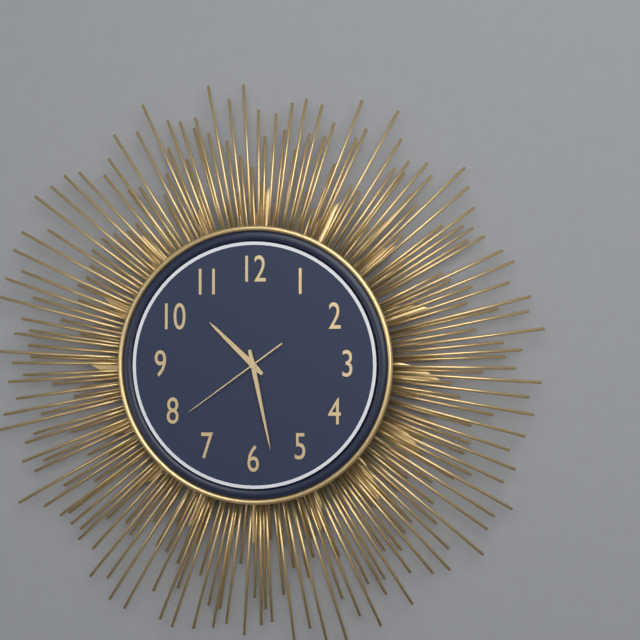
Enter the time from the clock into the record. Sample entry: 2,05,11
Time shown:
10,28,39
